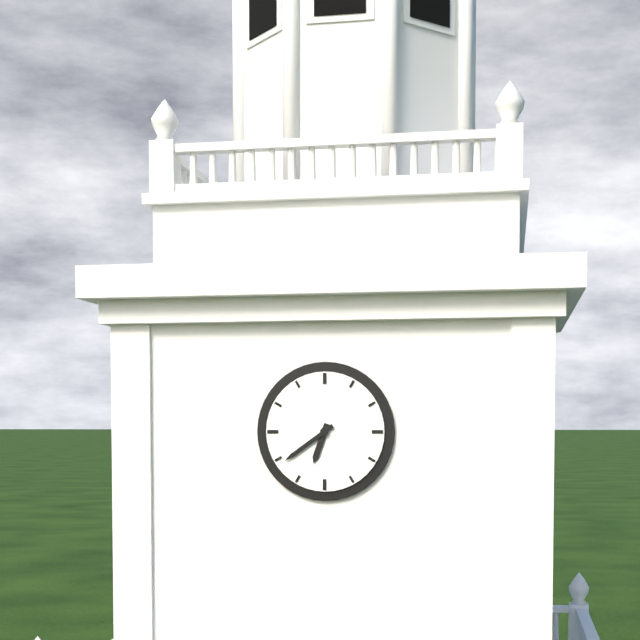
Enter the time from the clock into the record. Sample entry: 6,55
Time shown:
6,39
